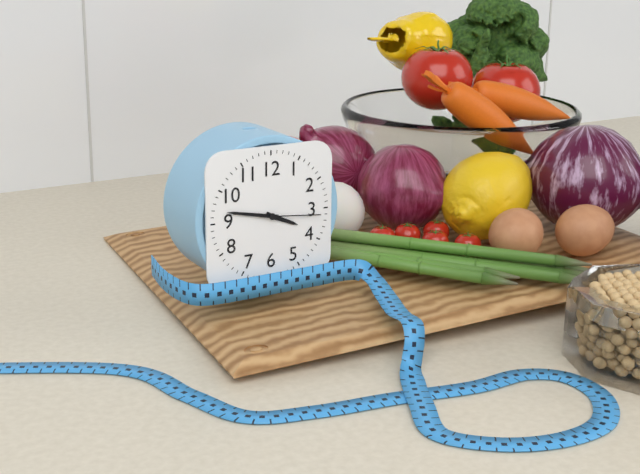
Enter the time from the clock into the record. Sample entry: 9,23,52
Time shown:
3,47,16
